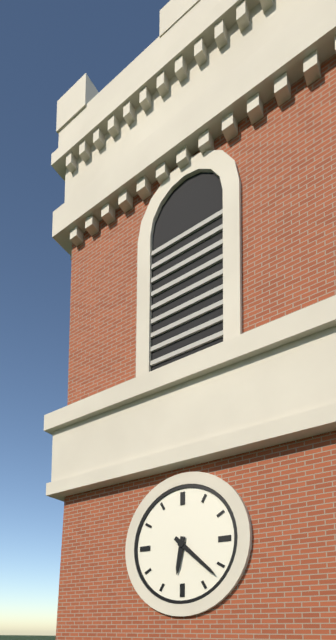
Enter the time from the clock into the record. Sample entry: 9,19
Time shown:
6,22
